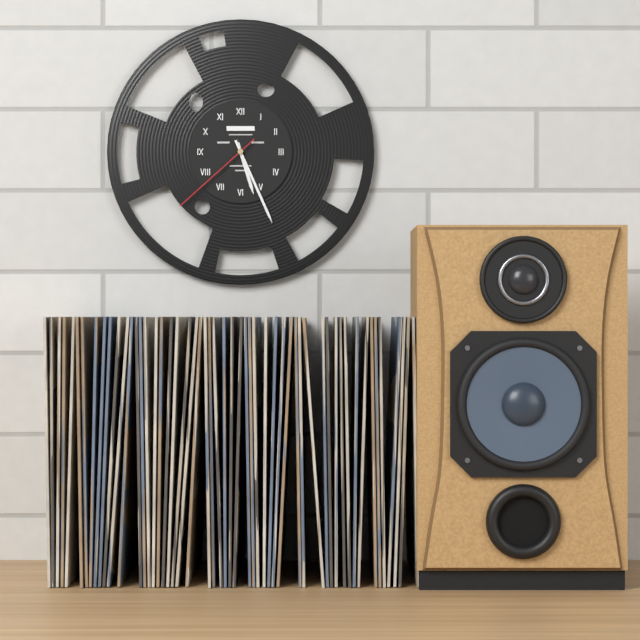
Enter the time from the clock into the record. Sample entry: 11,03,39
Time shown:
5,26,38
